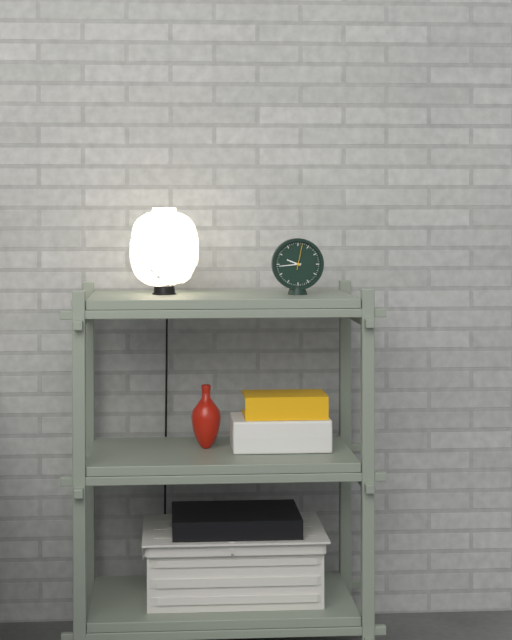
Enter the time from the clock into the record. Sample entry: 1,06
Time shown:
9,44
